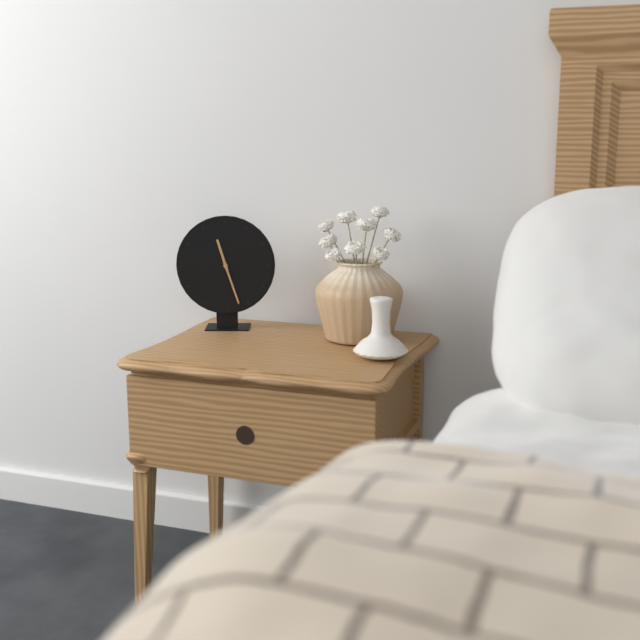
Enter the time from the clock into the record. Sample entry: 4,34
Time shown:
11,27
